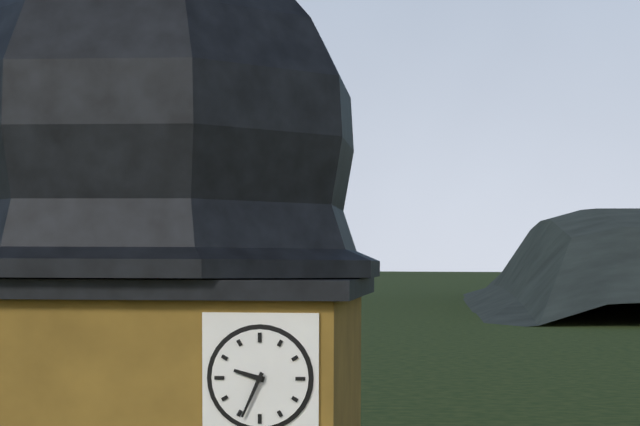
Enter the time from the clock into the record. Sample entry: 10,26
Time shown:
9,34
